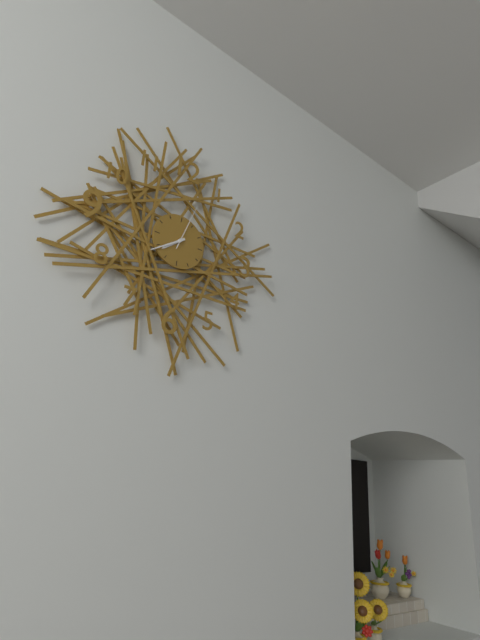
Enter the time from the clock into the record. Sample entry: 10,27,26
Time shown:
7,39,03
